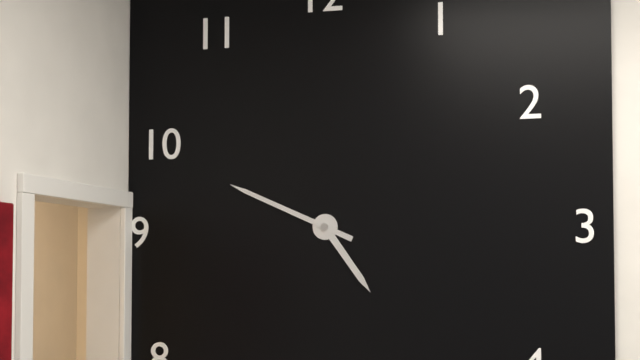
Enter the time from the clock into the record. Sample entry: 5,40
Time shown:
4,49
